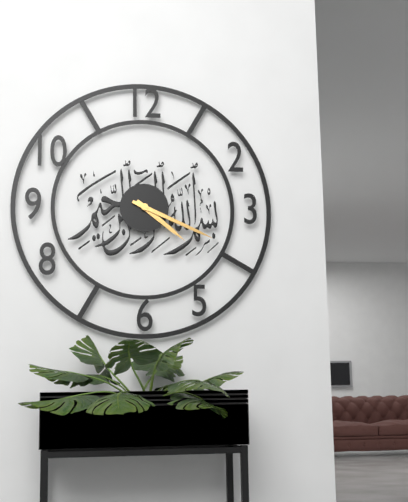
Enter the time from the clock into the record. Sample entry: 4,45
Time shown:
4,19
